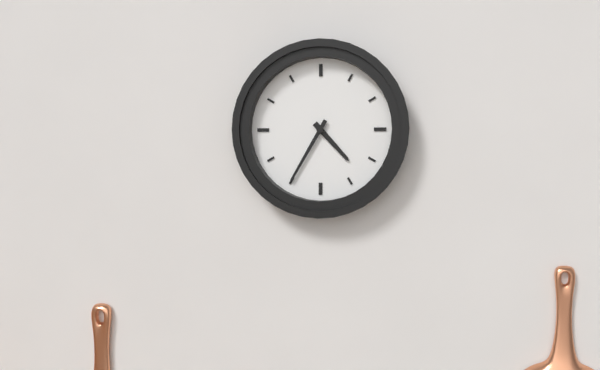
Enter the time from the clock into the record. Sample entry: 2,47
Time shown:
4,35
